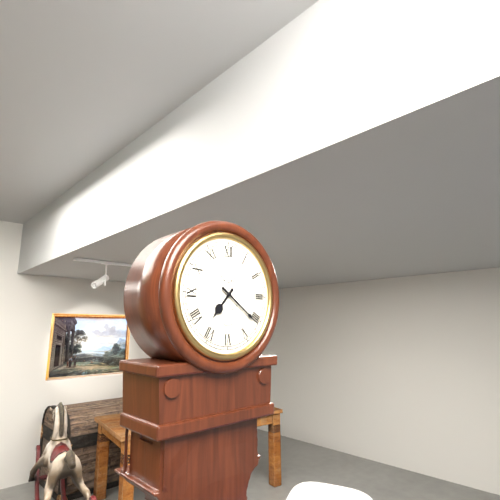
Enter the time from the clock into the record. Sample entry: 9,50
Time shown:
7,21
